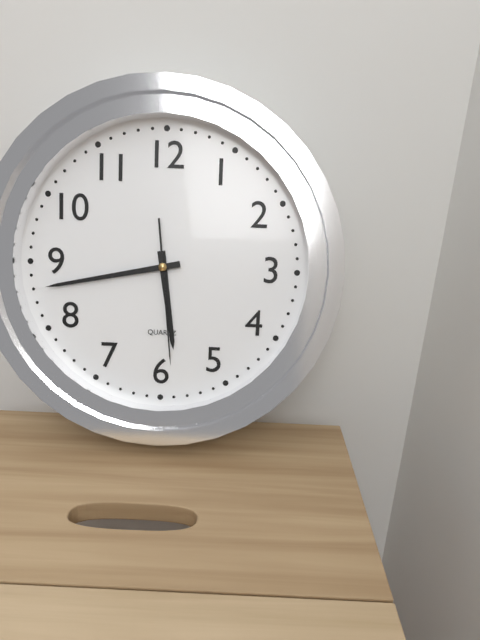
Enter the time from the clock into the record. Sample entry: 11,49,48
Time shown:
5,43,29
